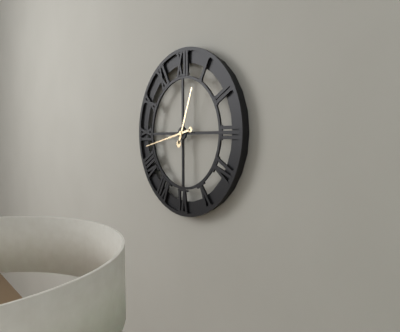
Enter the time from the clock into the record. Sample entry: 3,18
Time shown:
12,43
